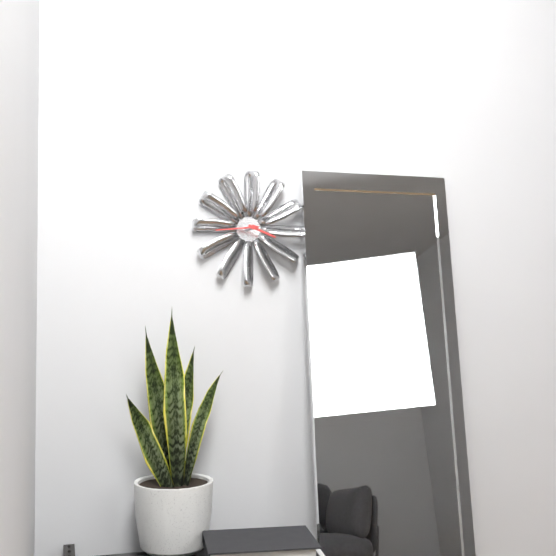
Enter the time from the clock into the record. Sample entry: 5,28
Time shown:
3,44
